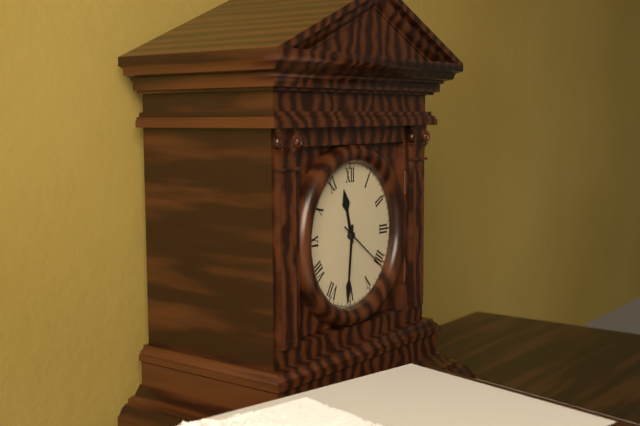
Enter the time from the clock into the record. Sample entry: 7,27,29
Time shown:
11,31,21
